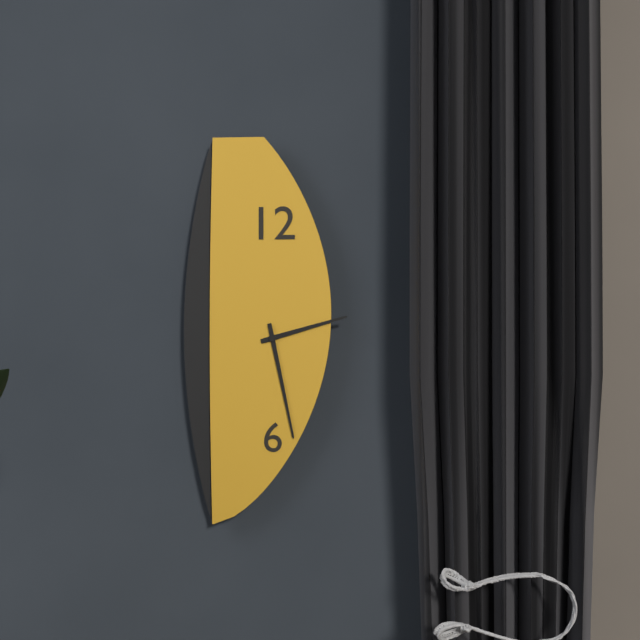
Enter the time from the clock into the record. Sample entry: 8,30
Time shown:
2,28
